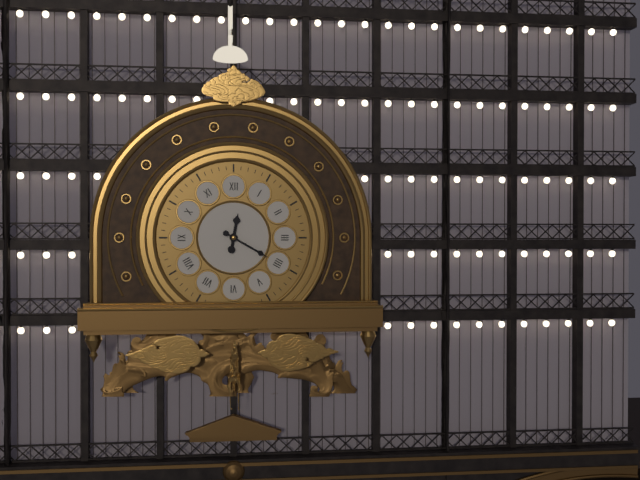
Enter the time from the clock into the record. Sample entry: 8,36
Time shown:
12,20
